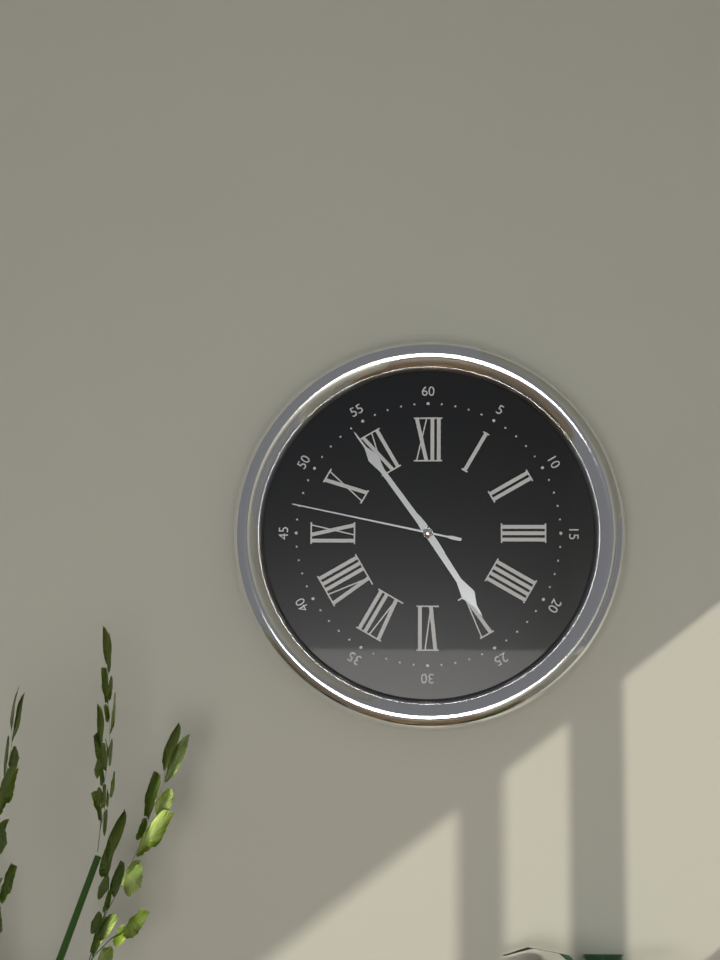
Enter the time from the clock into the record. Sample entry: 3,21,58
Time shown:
4,54,47
